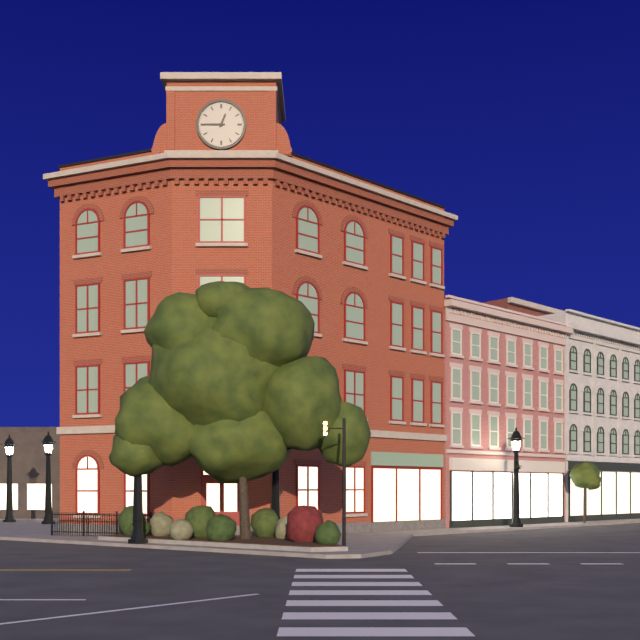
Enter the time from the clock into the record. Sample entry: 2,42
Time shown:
12,45
